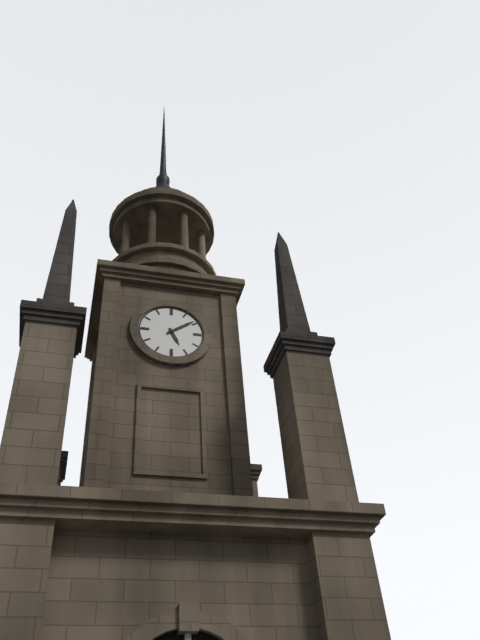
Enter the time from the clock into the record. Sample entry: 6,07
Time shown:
5,09
